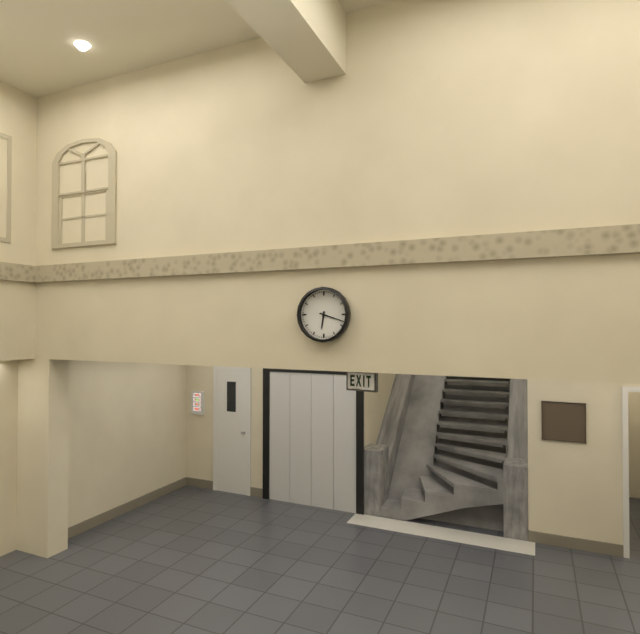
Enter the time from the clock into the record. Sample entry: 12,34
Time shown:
6,18
